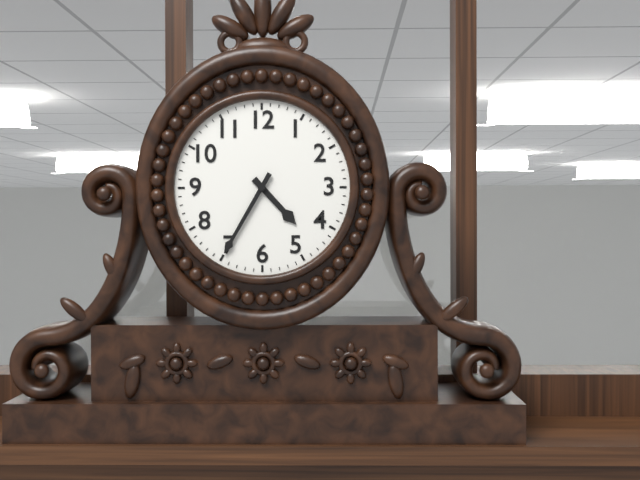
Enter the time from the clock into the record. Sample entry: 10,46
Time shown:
4,35
